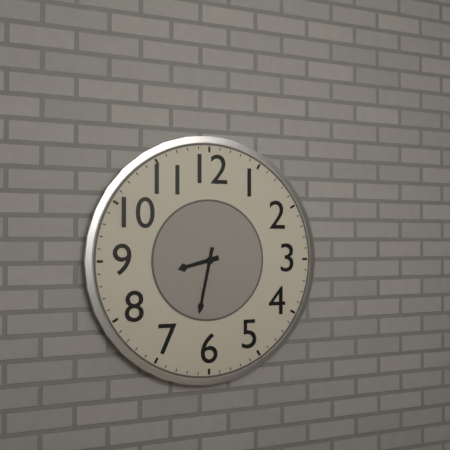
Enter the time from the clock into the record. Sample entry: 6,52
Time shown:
8,32
